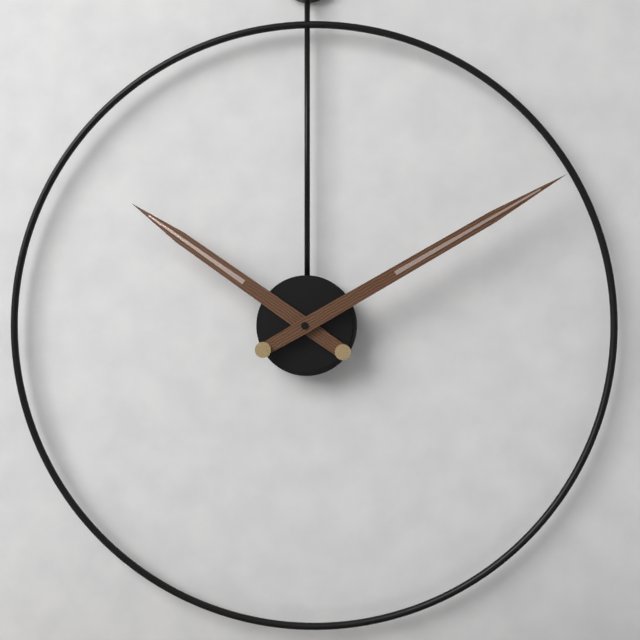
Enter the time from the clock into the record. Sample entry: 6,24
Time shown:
10,10
